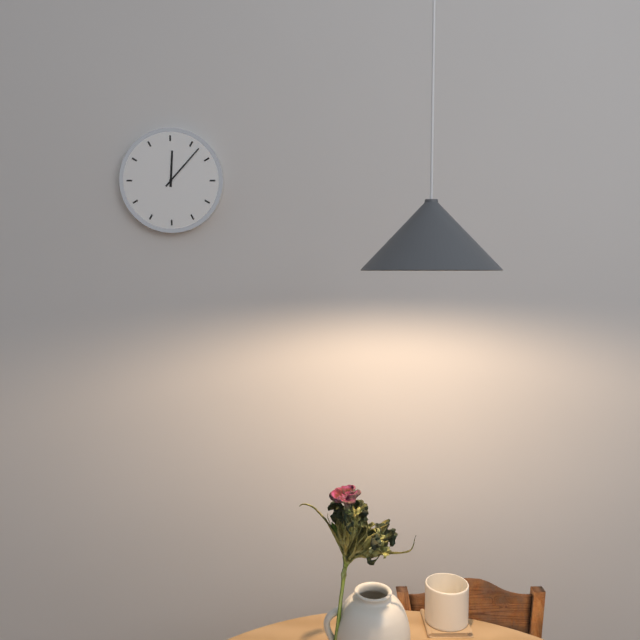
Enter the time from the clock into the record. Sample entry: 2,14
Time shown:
12,07
